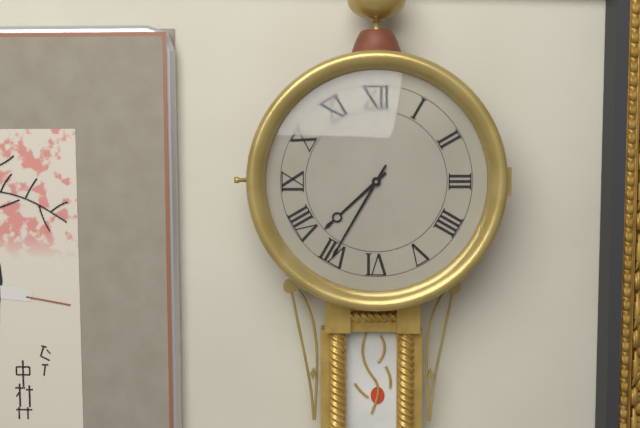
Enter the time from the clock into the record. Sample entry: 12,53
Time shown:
7,35
